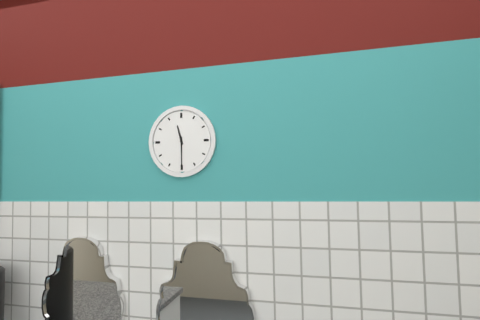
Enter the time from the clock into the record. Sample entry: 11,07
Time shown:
11,30
